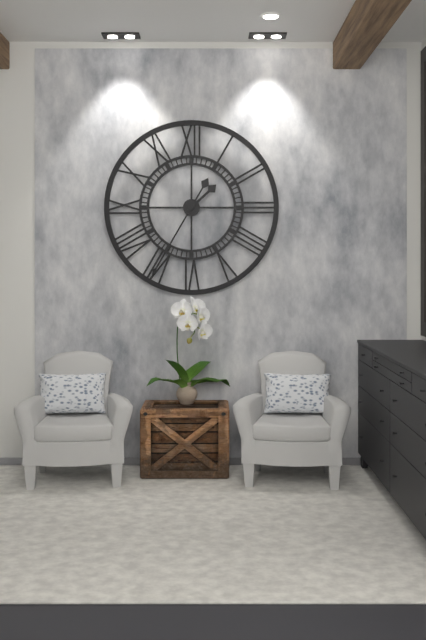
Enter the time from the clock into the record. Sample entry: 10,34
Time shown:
1,35
